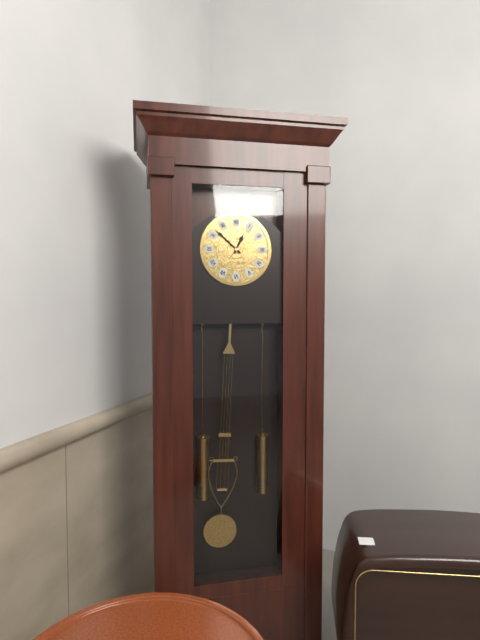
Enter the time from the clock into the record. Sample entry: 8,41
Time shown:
12,52
